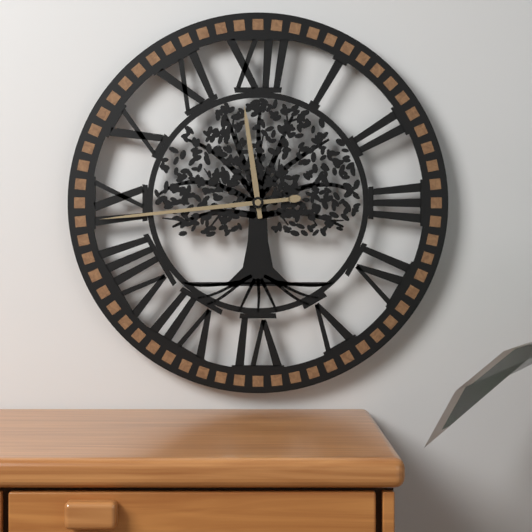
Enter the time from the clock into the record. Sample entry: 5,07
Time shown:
11,44
